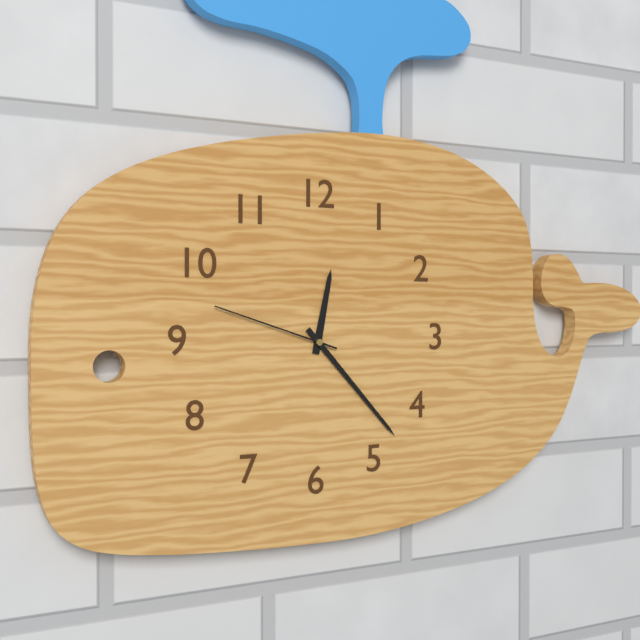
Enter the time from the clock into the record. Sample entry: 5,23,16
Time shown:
12,23,48
